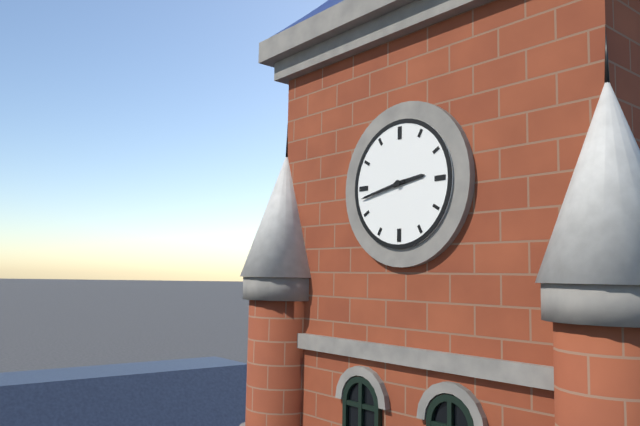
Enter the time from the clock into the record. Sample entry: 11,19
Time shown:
2,43
